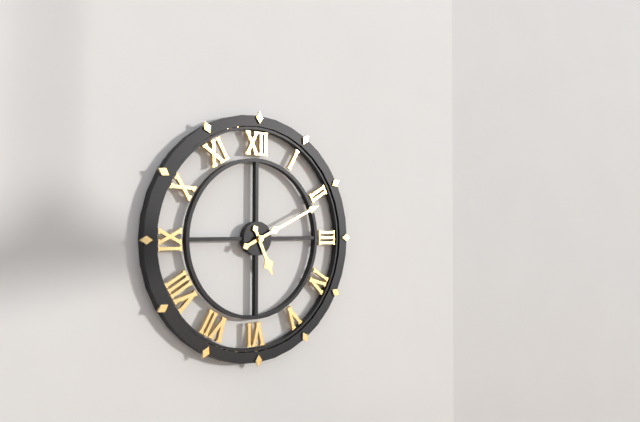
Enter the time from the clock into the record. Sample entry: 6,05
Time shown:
5,11
